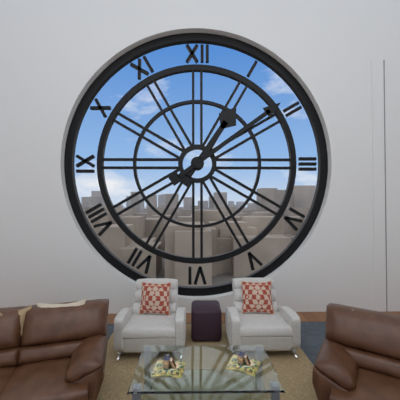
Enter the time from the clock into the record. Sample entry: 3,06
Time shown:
1,09
